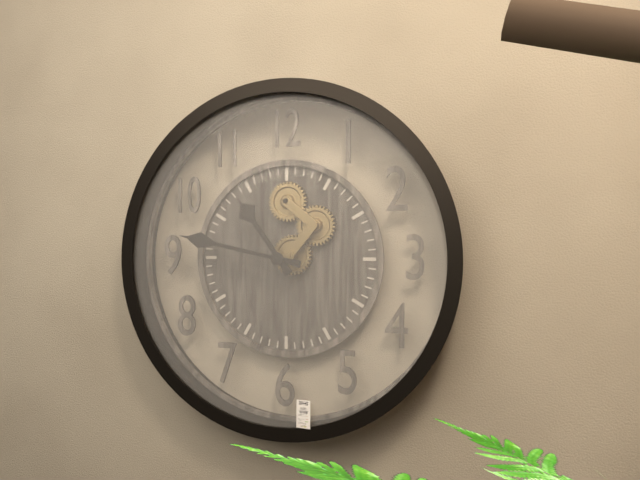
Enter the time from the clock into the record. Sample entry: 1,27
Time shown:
10,47
